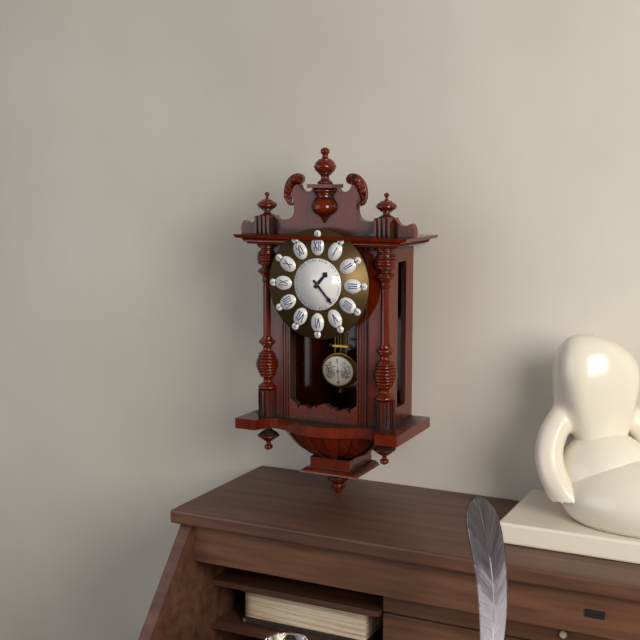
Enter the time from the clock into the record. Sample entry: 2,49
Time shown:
1,23
